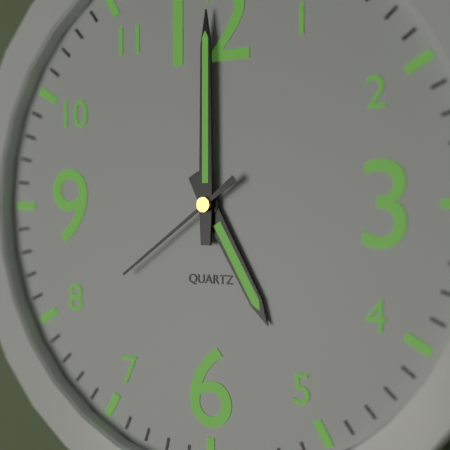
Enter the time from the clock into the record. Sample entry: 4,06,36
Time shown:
5,00,39
